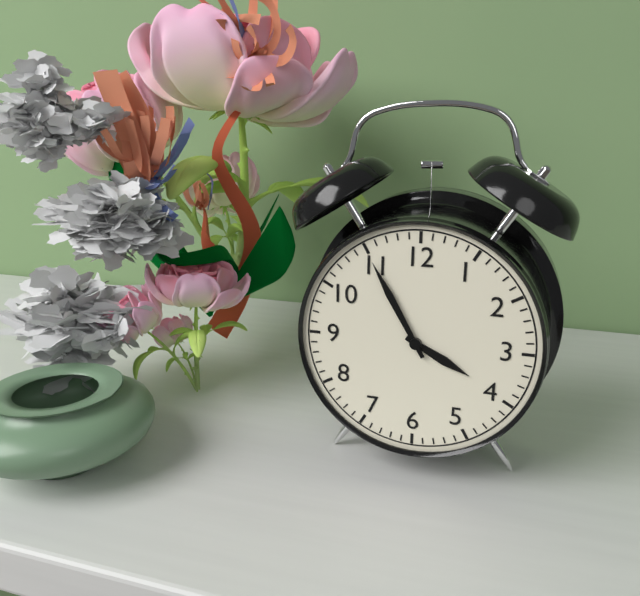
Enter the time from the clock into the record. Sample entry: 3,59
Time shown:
3,55
